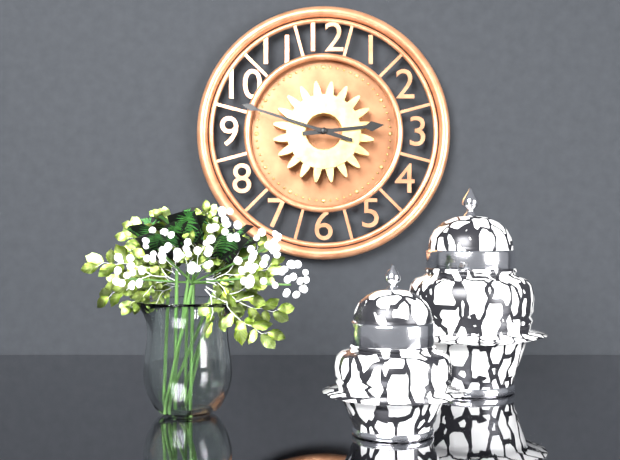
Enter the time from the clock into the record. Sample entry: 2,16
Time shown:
2,48
